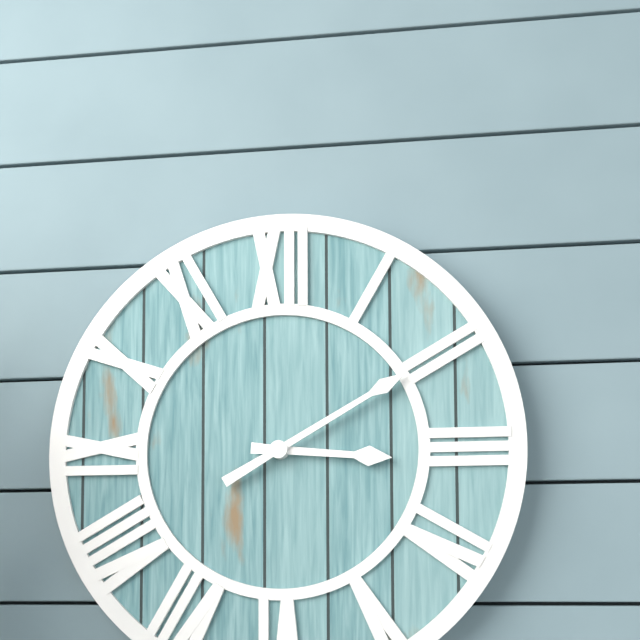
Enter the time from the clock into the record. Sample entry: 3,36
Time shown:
3,10
